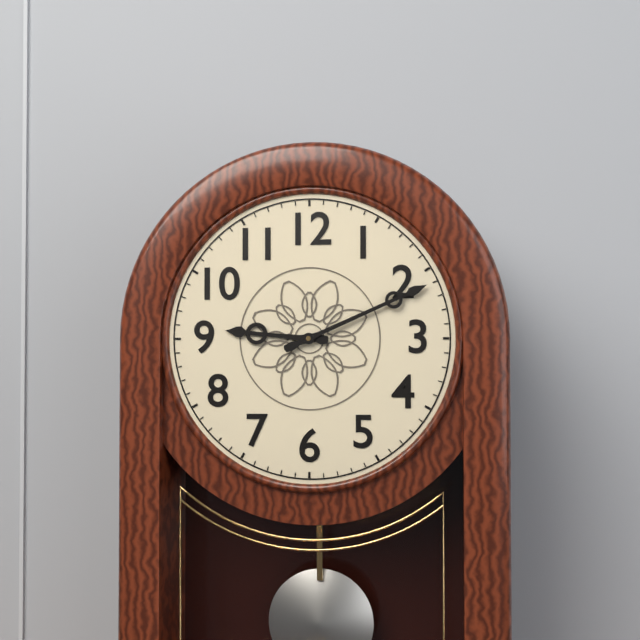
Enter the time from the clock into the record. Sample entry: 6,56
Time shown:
9,11
